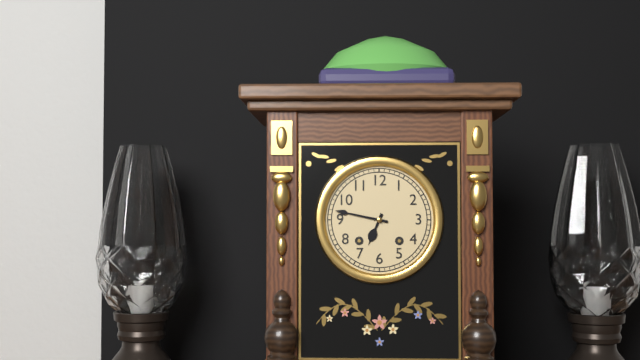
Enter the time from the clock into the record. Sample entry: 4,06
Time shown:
6,47
